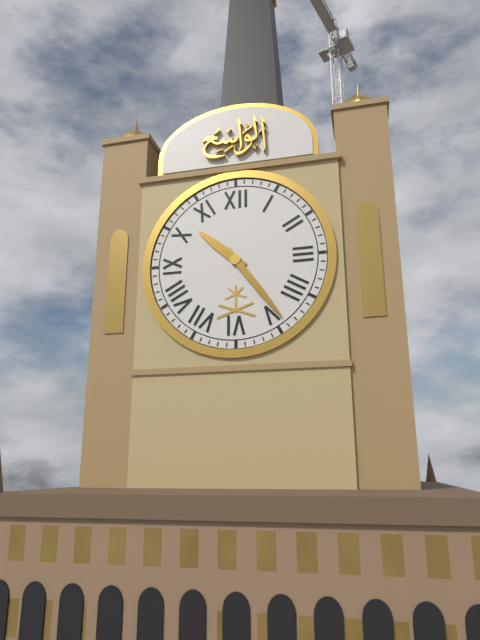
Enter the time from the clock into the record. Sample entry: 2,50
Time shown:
10,24
